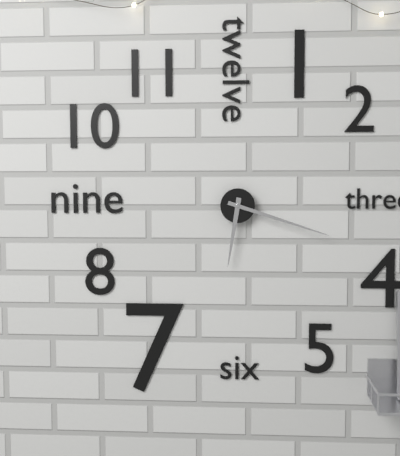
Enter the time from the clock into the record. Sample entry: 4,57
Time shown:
6,18
